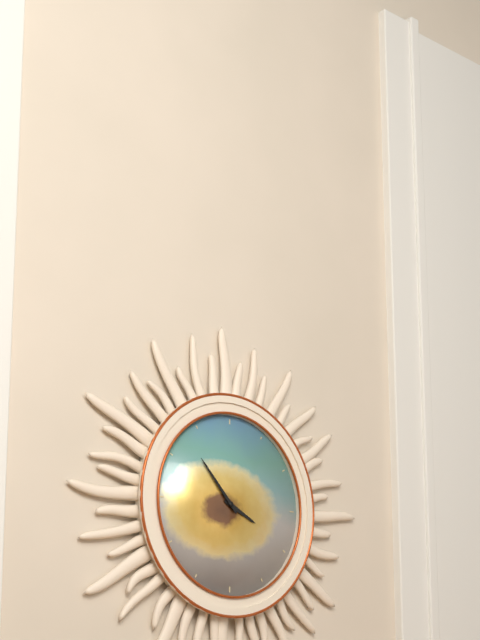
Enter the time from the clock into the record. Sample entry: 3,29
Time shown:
3,53
